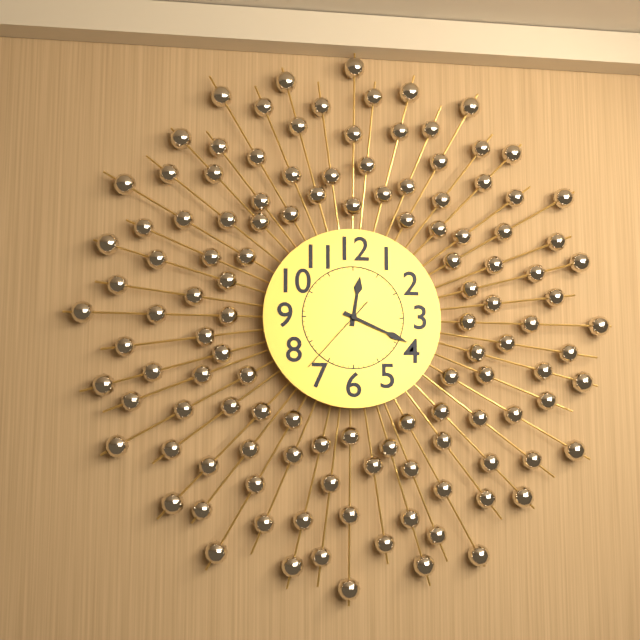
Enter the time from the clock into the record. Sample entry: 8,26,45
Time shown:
12,19,37
